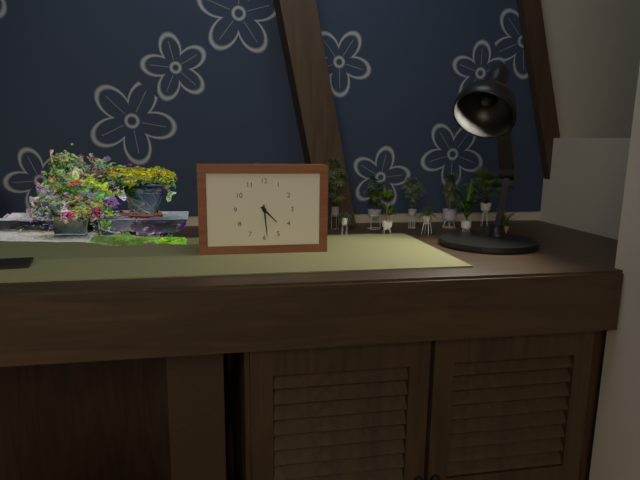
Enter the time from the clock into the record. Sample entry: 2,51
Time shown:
4,29
